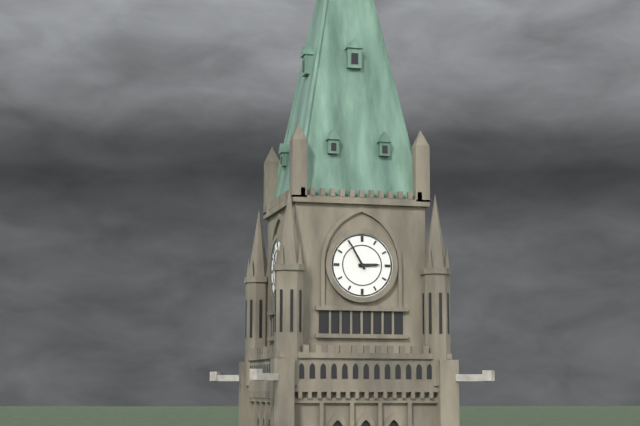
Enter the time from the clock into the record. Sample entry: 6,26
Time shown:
2,55
